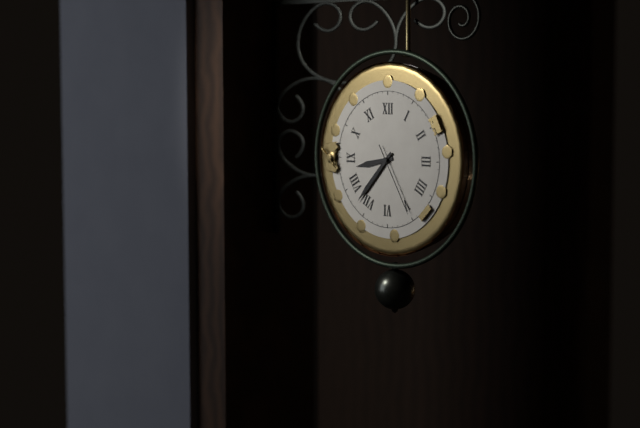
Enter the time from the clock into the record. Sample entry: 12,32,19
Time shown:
8,37,25
